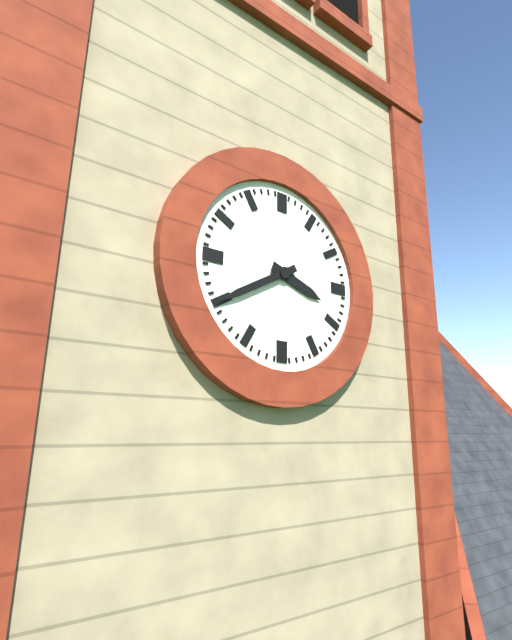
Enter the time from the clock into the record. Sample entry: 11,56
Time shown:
3,40
